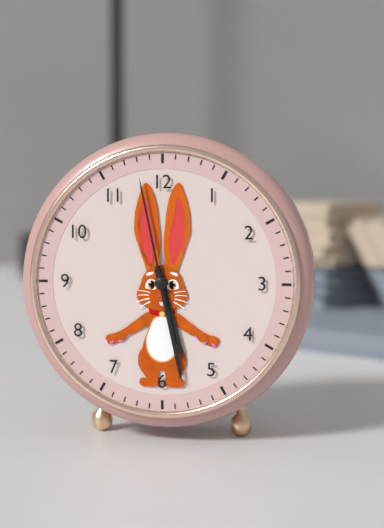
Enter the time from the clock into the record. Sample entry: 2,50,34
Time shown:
5,28,58
